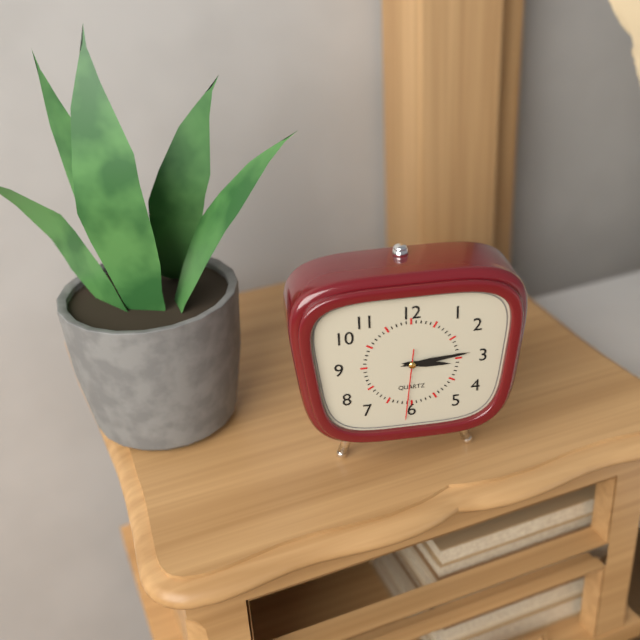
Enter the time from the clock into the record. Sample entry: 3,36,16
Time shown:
3,14,31
